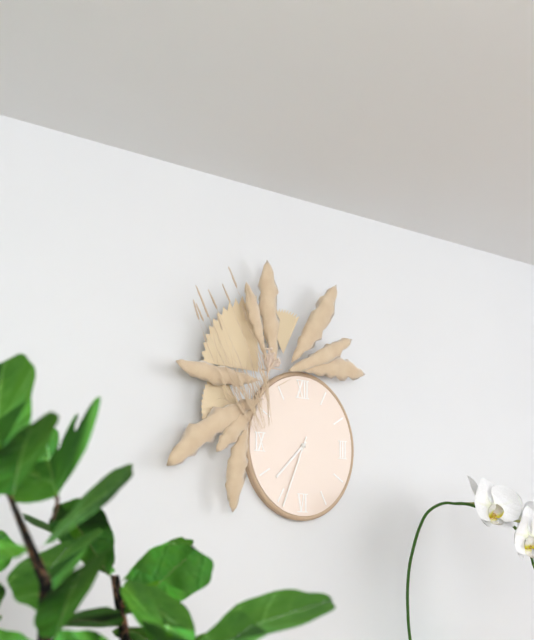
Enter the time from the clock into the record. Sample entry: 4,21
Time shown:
7,34
